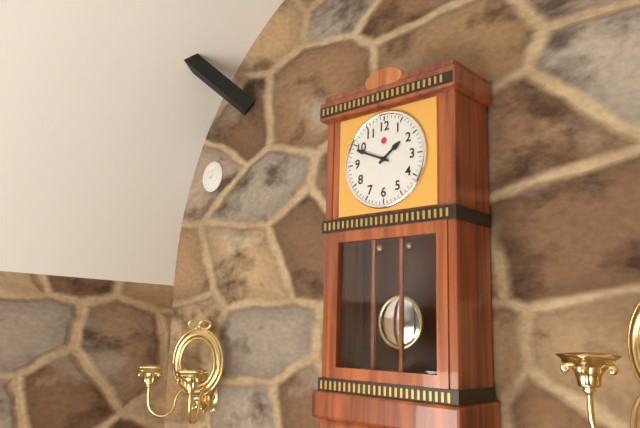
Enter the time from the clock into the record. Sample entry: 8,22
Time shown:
1,49
